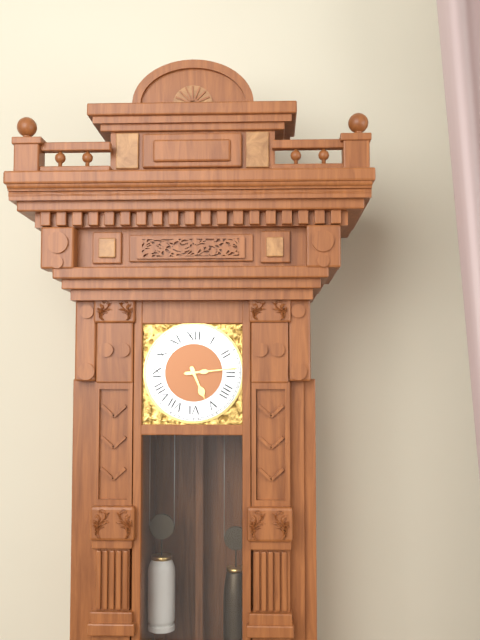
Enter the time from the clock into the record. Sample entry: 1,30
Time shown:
5,14
